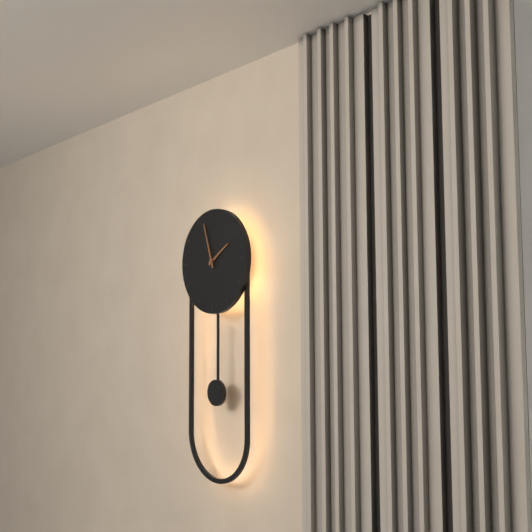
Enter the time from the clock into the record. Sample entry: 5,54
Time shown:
1,57
